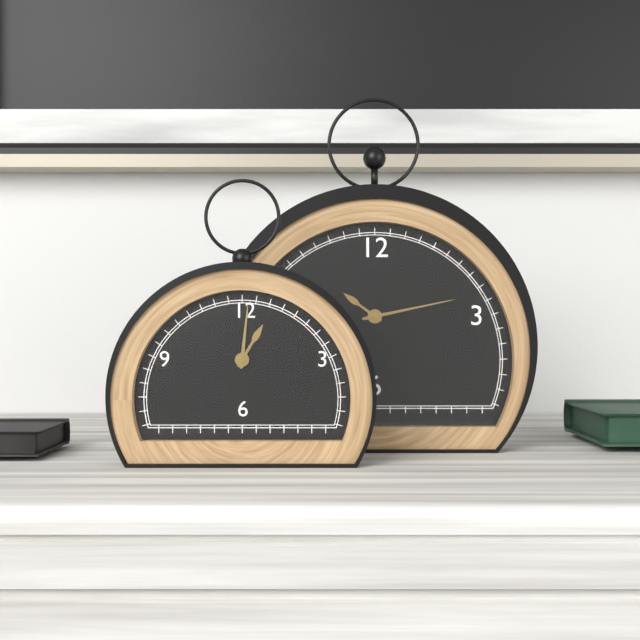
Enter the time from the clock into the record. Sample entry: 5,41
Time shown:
1,01
